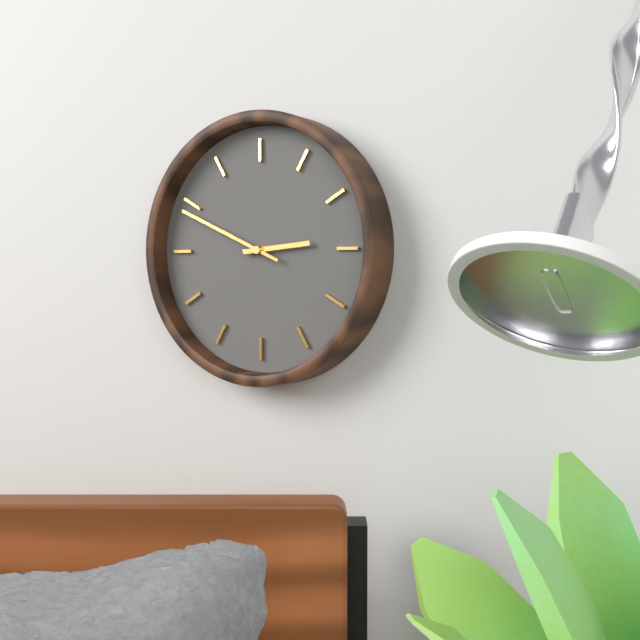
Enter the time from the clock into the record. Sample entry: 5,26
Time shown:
2,49
